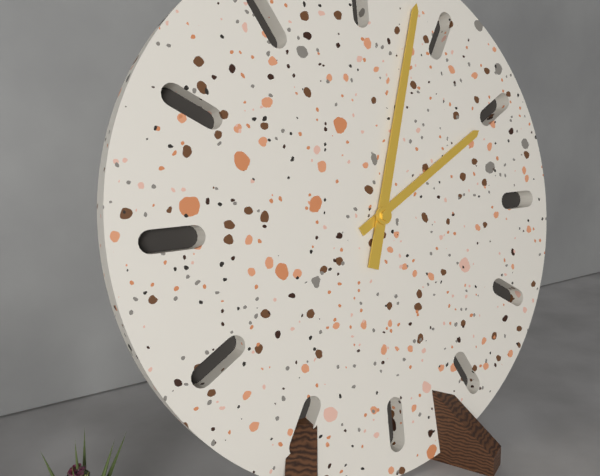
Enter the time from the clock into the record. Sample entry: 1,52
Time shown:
2,03
